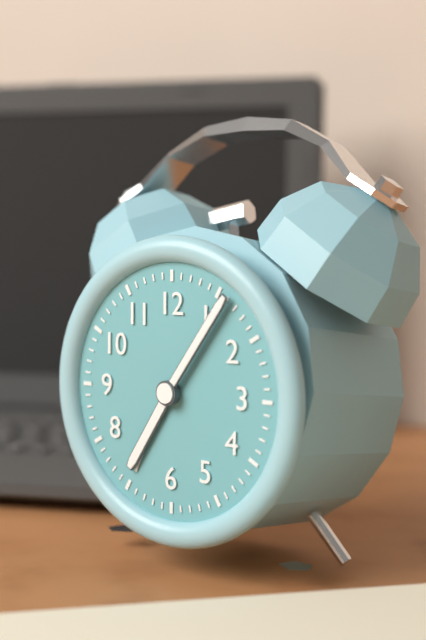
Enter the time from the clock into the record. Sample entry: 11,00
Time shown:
7,06
